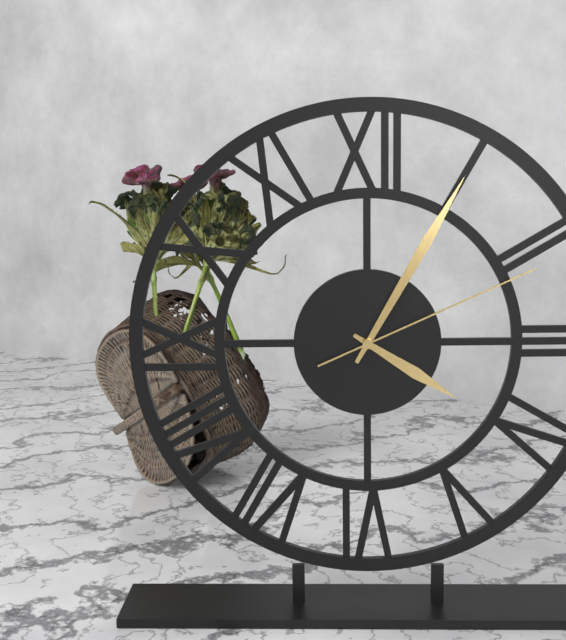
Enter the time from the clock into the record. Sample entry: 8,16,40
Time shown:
4,05,11
